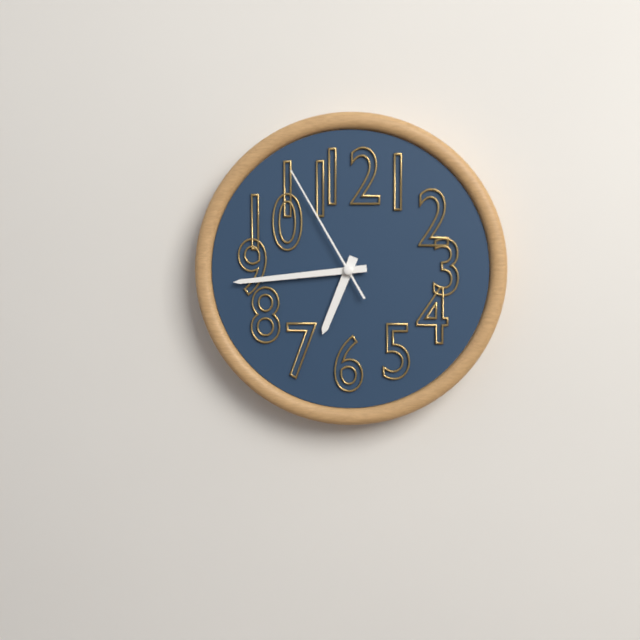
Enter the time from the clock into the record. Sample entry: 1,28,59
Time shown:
6,44,55
